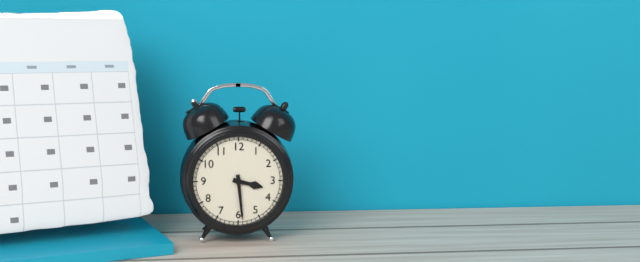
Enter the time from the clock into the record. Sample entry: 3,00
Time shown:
3,29
